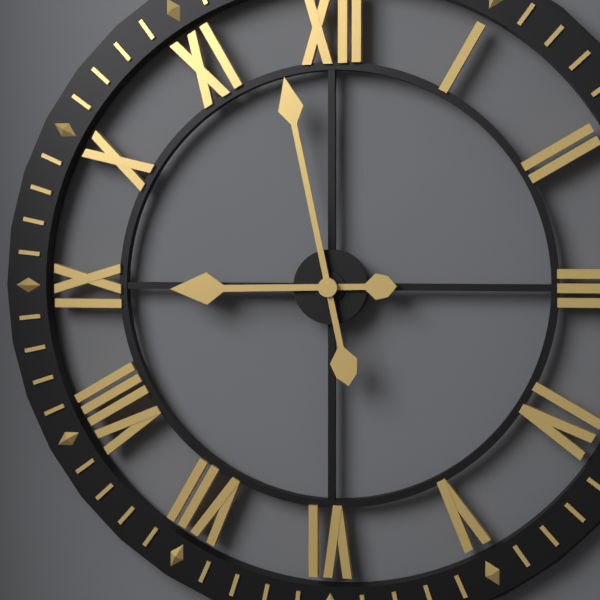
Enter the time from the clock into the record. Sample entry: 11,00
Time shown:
8,58
